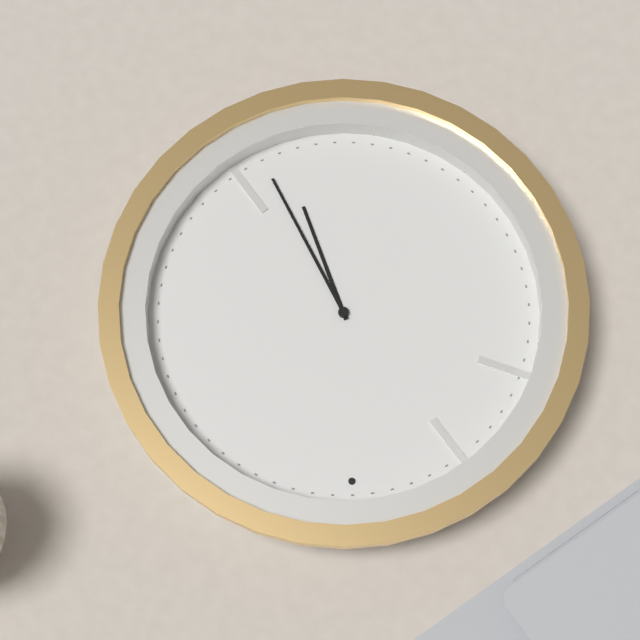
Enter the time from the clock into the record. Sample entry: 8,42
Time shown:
5,26
